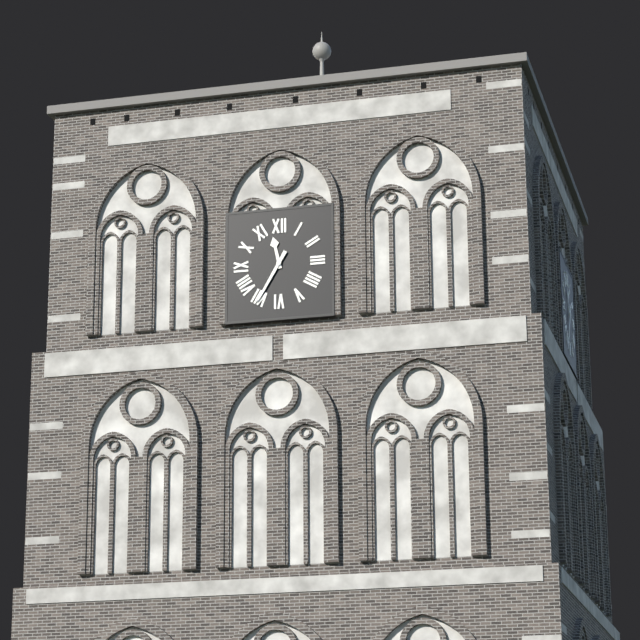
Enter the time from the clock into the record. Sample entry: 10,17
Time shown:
11,35
